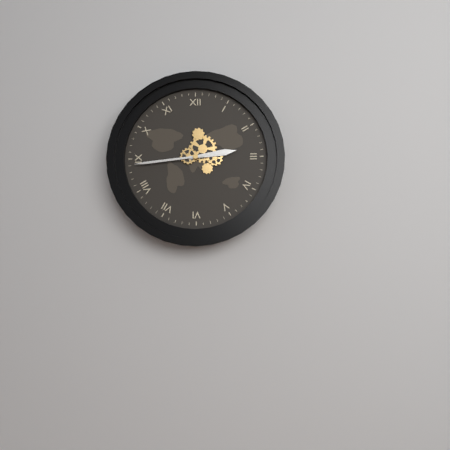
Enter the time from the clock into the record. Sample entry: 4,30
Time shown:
2,44
